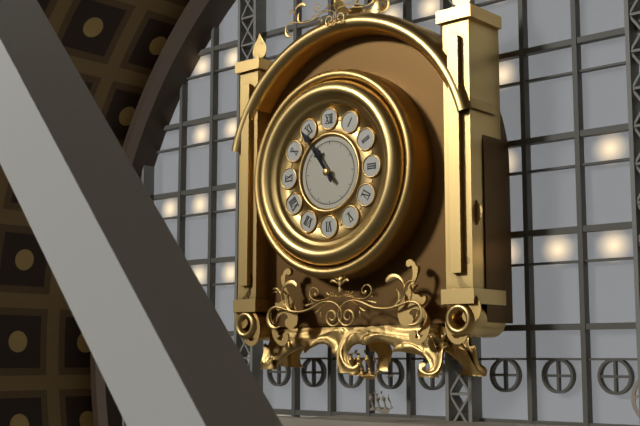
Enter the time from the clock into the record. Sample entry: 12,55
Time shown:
10,54
